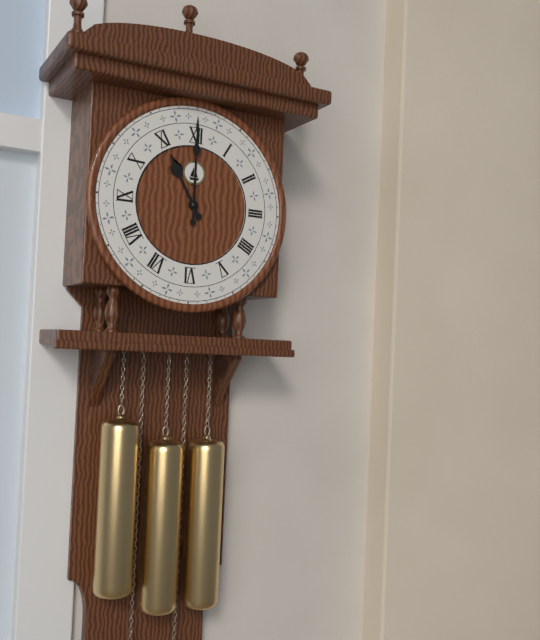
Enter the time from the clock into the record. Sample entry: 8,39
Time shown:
11,00
